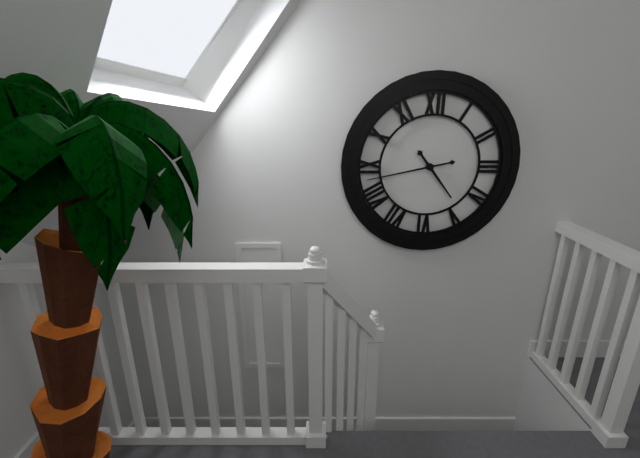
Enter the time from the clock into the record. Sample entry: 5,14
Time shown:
4,43
